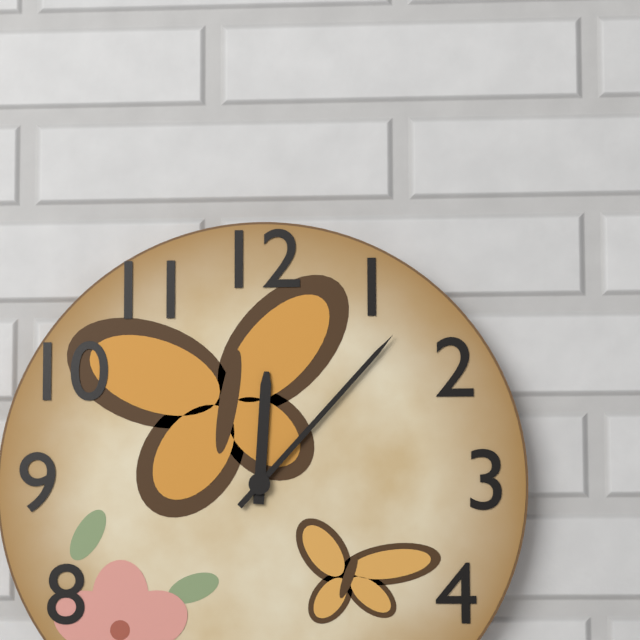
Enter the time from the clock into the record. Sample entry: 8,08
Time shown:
12,07
